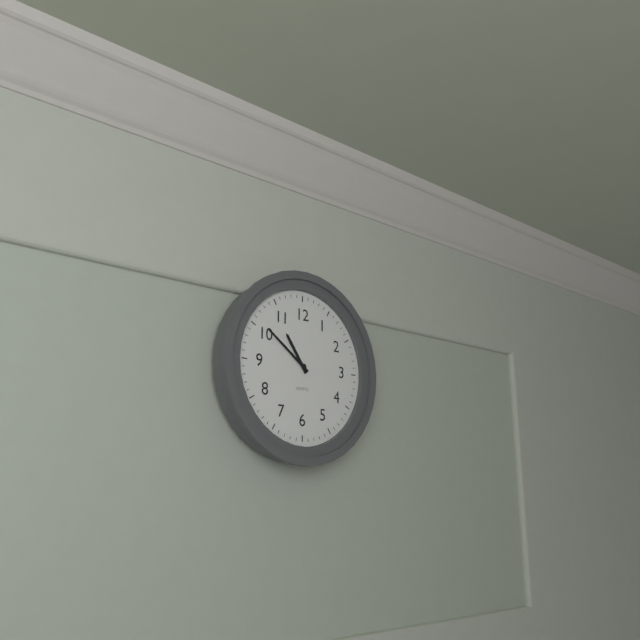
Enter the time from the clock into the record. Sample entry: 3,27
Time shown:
10,51
